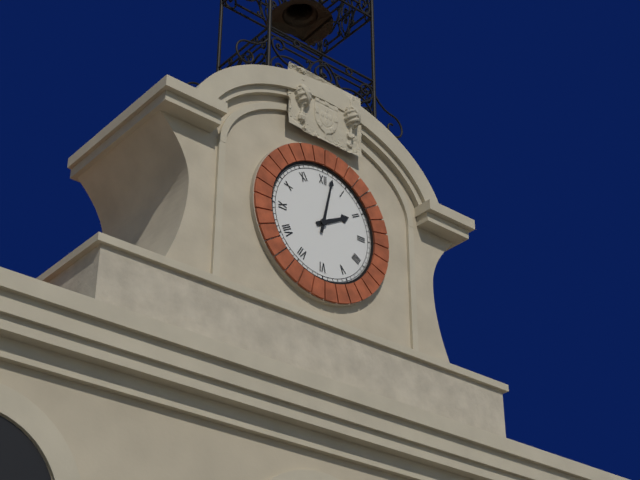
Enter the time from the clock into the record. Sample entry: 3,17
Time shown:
2,02
